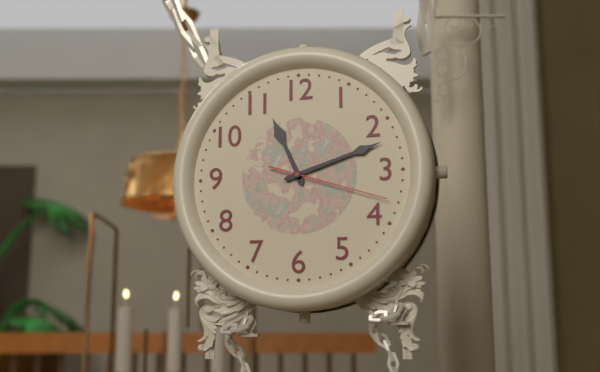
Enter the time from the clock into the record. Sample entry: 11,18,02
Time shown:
11,12,18
